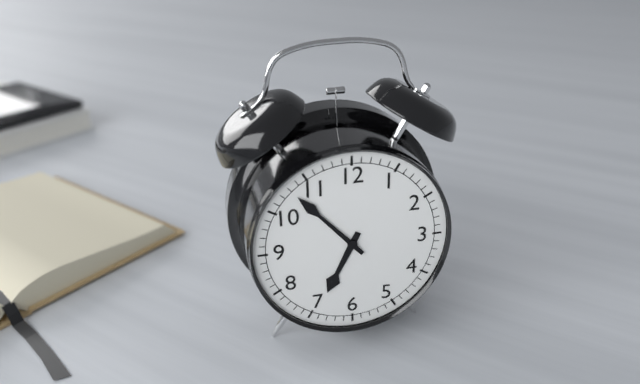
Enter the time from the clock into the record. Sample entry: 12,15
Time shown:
6,53
